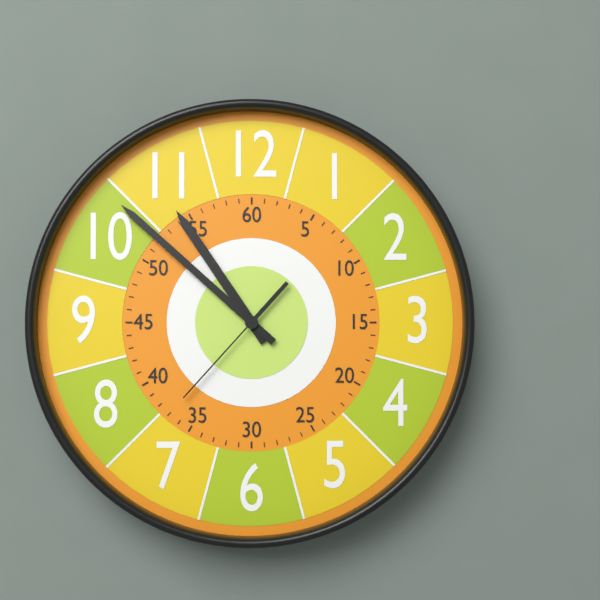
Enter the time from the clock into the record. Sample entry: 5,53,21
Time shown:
10,52,37
